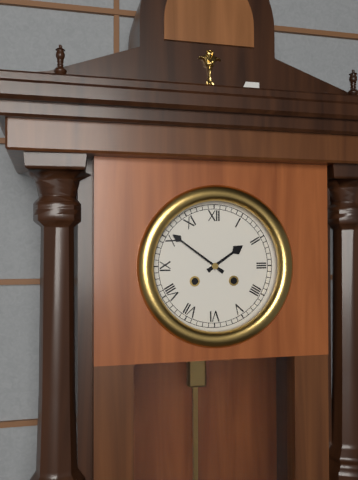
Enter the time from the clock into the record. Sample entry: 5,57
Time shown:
1,51
